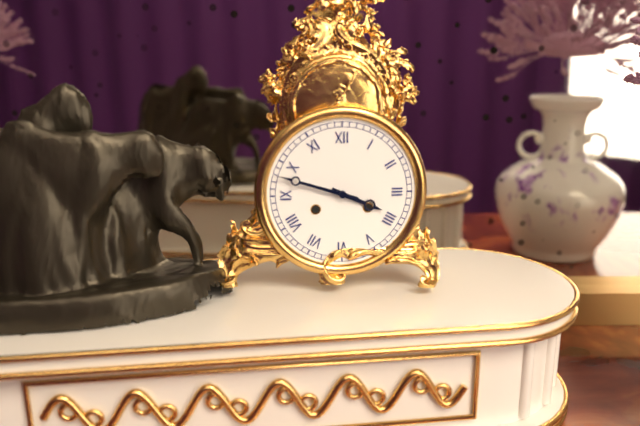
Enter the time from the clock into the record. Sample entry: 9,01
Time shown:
3,48
